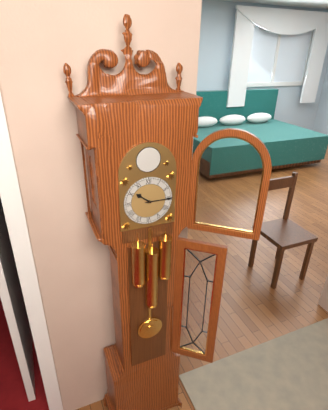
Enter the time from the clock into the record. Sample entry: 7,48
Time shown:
10,15
